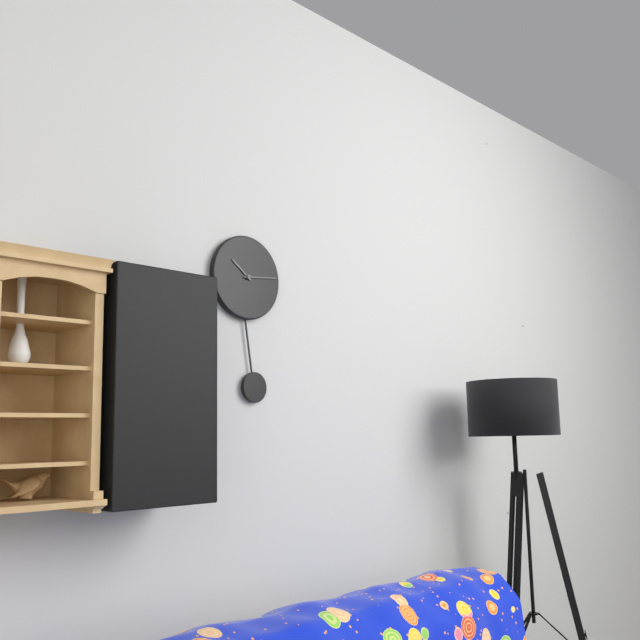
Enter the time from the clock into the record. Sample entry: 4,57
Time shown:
10,14
